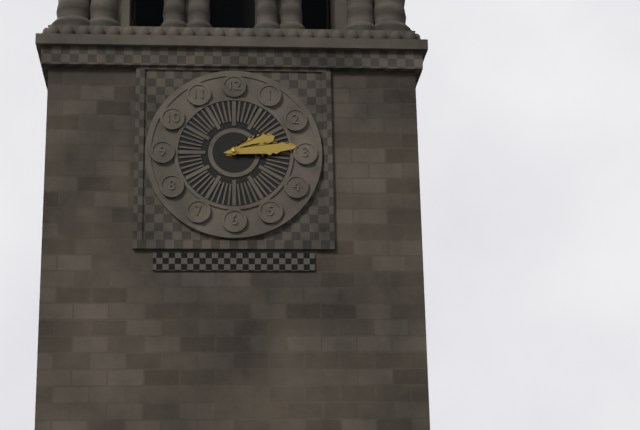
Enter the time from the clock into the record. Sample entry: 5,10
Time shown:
2,14
